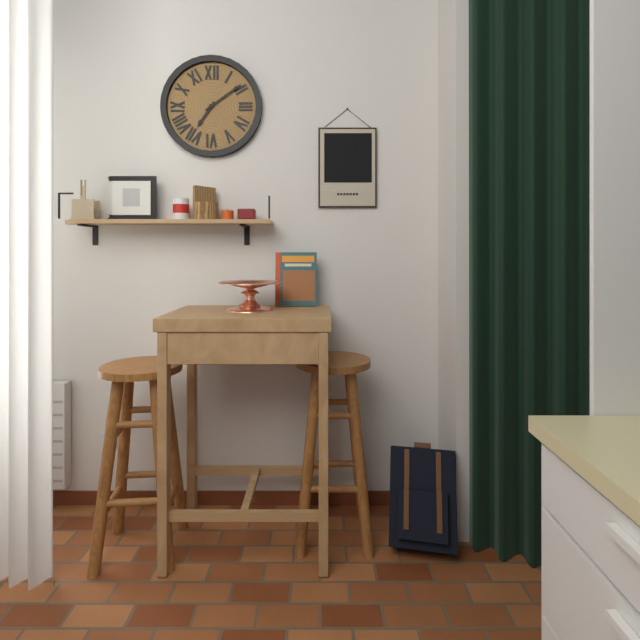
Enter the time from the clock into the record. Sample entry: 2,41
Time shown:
7,09
